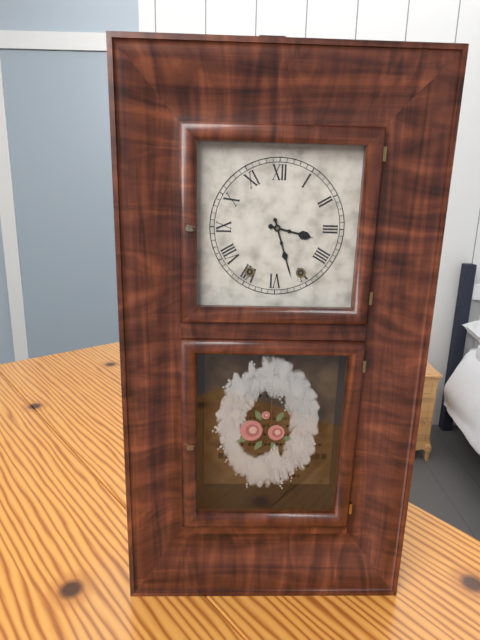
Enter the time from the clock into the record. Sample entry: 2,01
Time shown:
3,27
